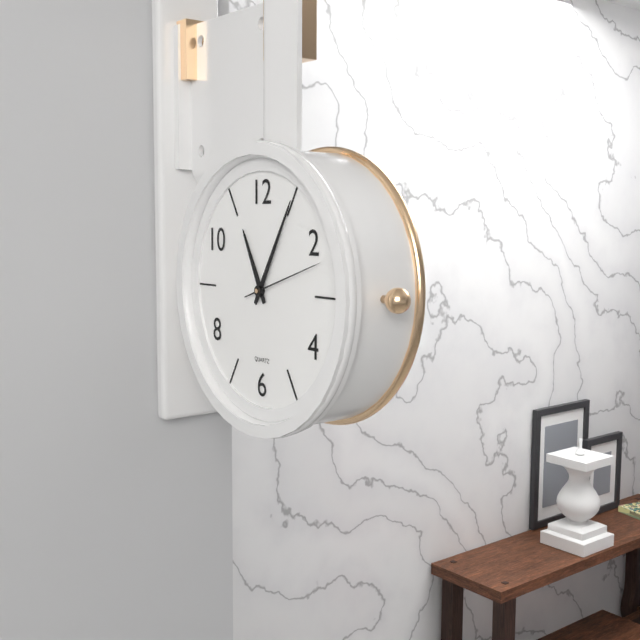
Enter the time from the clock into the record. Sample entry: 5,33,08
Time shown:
11,05,12
